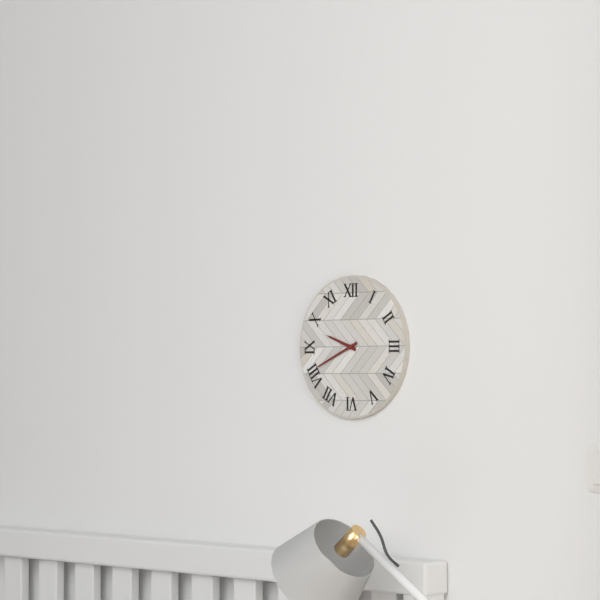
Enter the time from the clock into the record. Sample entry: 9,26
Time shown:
9,41
